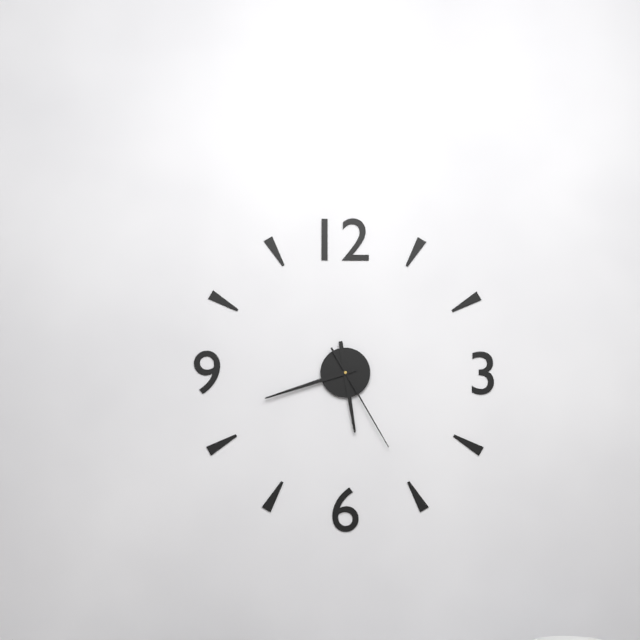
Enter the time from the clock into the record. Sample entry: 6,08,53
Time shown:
5,42,25
